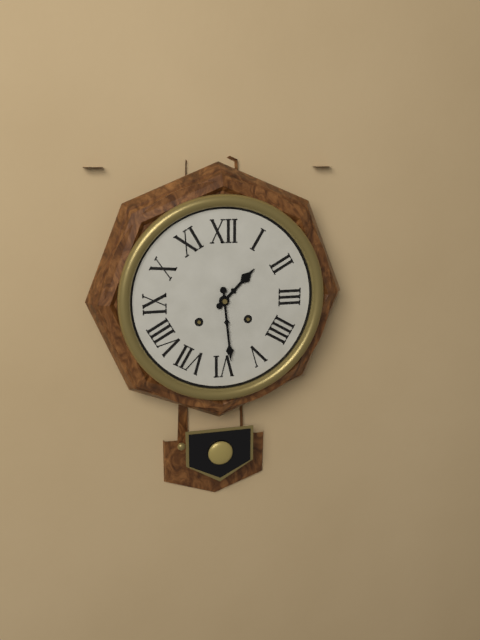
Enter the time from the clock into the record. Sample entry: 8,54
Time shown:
1,29
